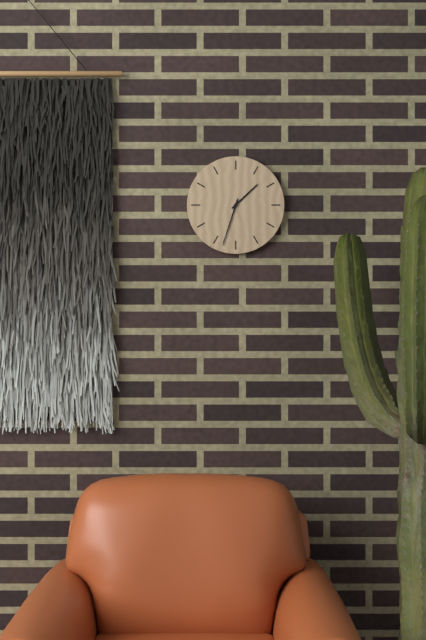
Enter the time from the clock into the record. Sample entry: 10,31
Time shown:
1,33
